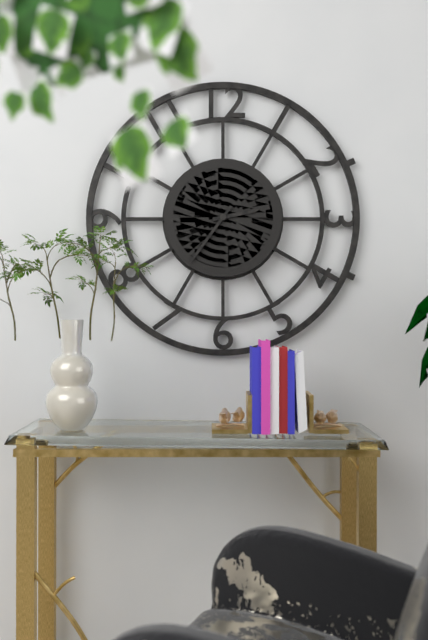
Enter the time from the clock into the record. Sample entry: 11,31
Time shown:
2,36
